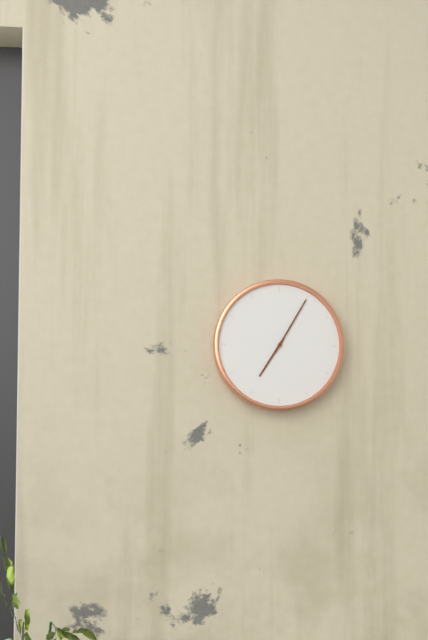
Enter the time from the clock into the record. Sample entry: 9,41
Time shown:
7,05
